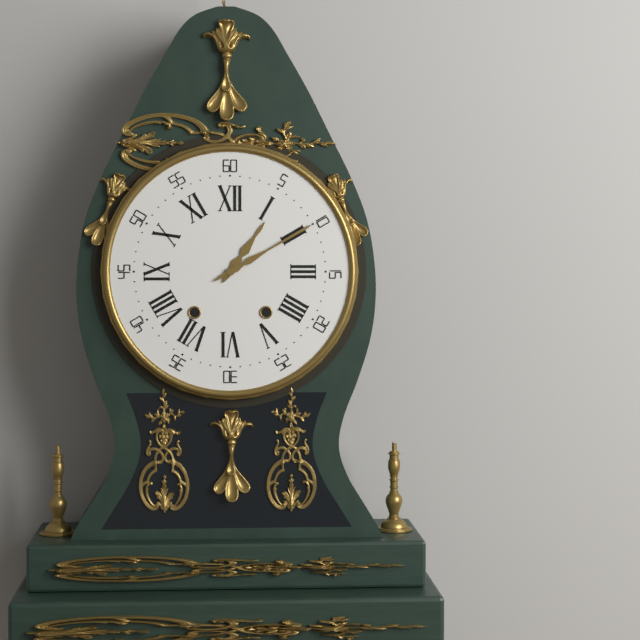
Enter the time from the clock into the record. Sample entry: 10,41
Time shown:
1,10
